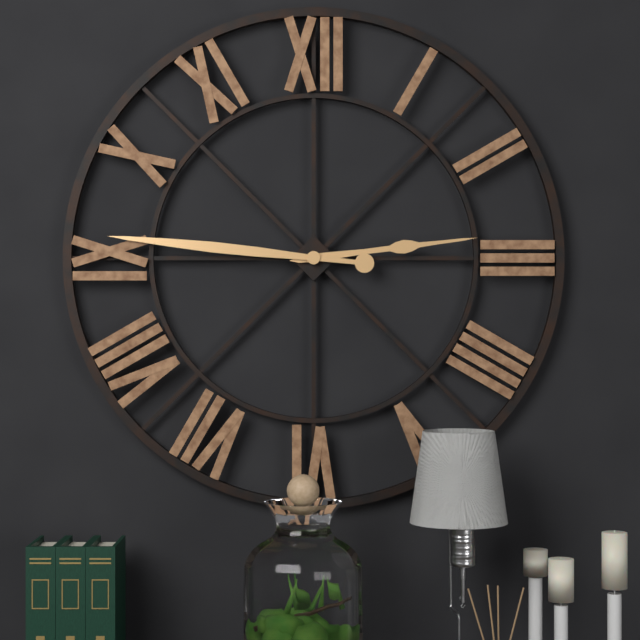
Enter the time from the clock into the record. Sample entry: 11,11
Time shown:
2,46
